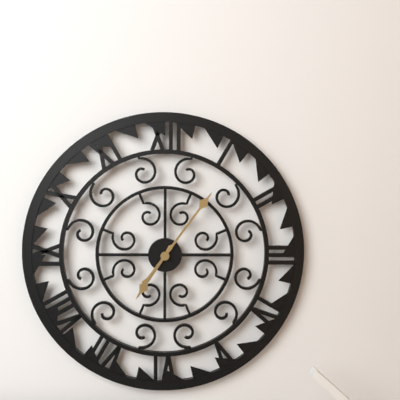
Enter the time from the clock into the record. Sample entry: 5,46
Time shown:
7,06
